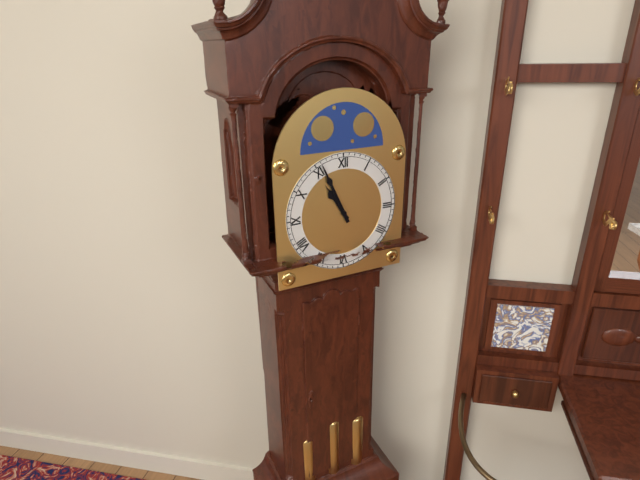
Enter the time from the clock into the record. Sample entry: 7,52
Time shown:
10,56
